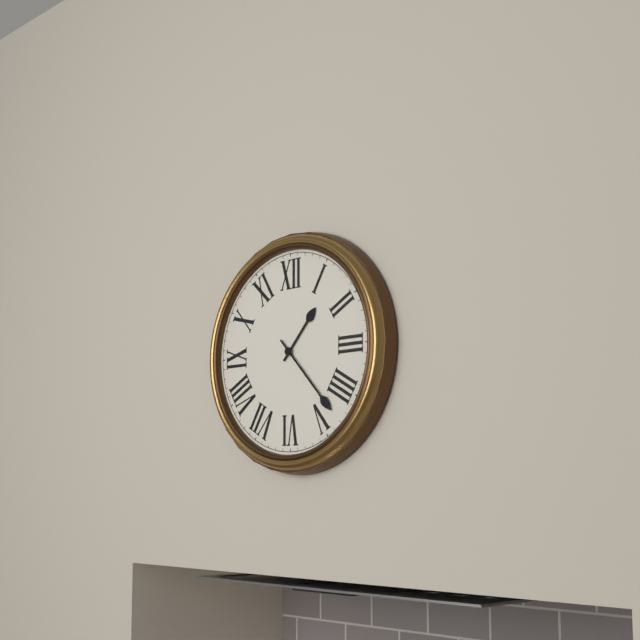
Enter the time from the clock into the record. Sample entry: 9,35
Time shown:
1,23
